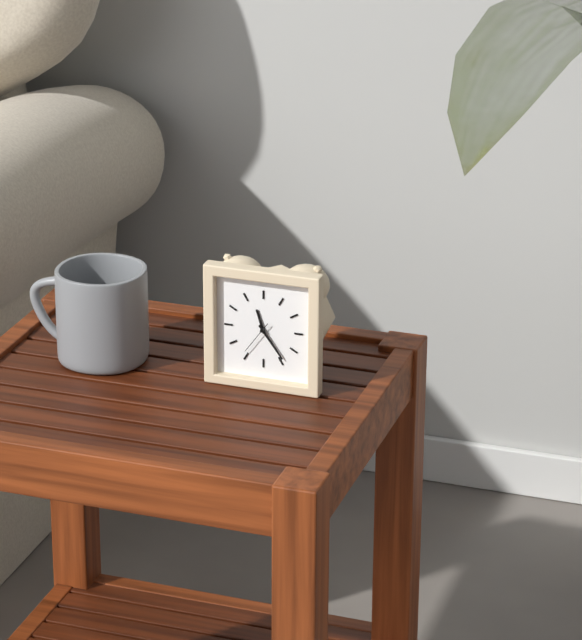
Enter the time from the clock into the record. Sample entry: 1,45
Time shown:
11,24
